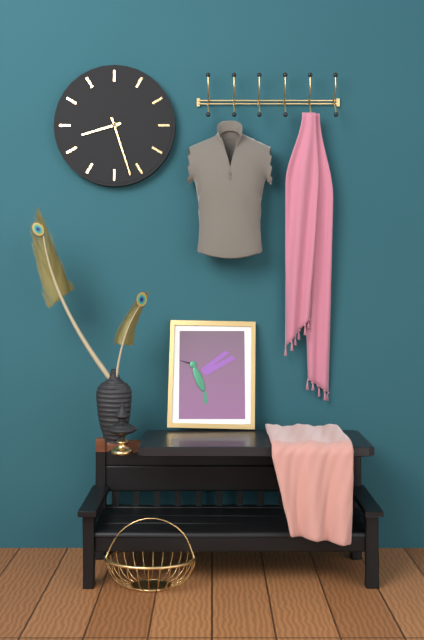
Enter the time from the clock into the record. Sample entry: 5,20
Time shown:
8,27
